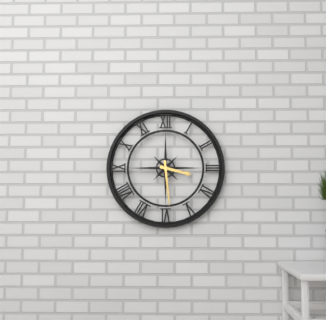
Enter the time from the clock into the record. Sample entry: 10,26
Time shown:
3,29
